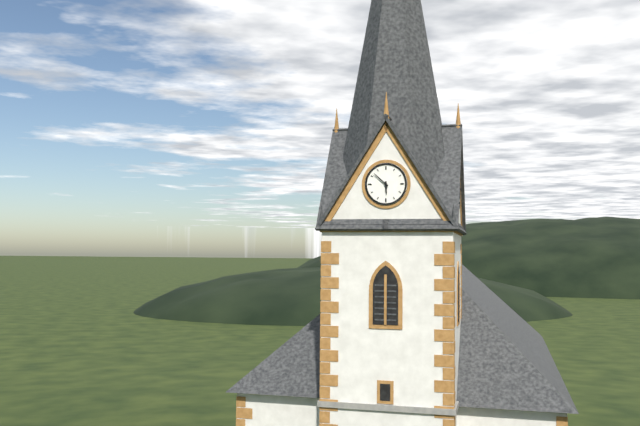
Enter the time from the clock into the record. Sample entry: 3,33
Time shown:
5,52
